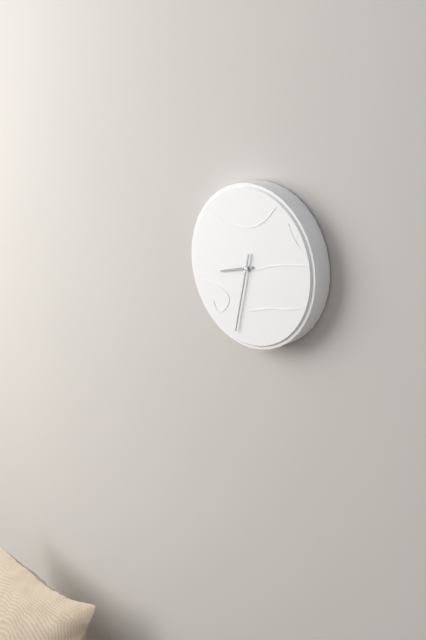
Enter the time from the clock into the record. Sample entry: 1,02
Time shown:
8,32
